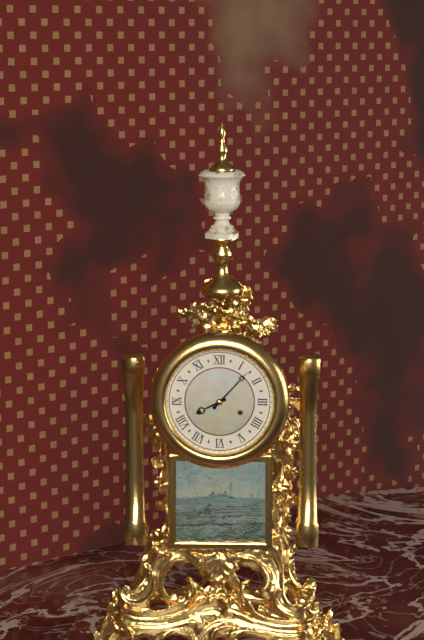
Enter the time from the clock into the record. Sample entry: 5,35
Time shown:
8,07
